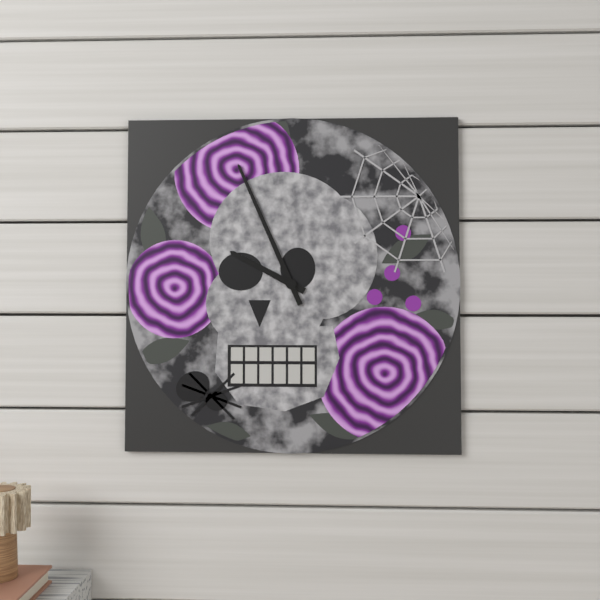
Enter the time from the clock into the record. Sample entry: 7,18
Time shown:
9,56
